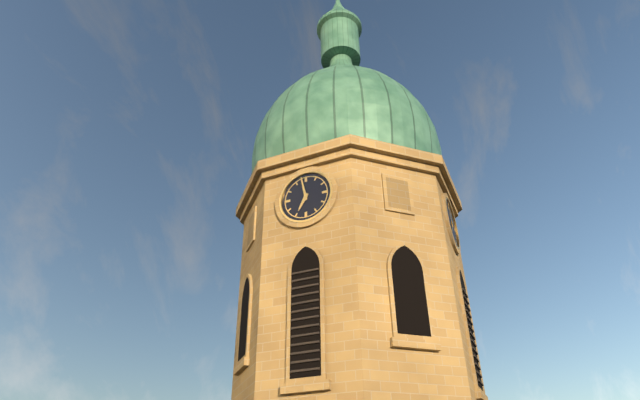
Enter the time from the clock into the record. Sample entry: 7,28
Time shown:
6,58
